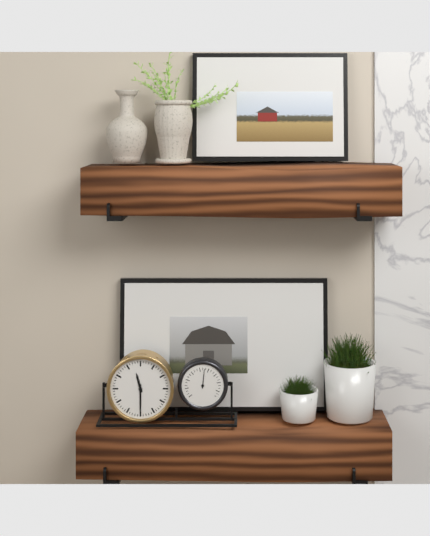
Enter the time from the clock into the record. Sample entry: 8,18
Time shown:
11,30
